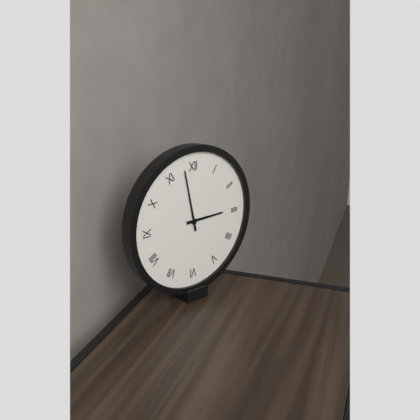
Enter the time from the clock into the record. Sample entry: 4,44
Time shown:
2,58
